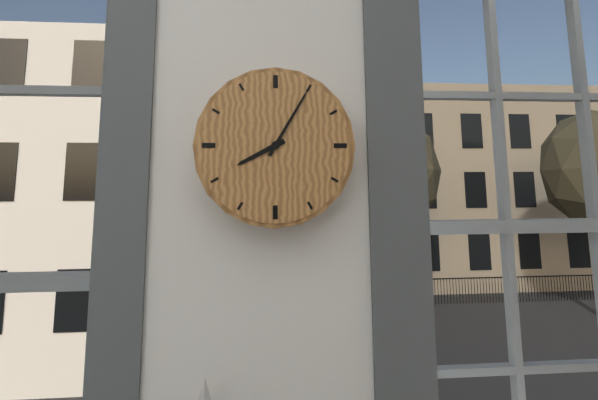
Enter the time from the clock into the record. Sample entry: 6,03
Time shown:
8,05
